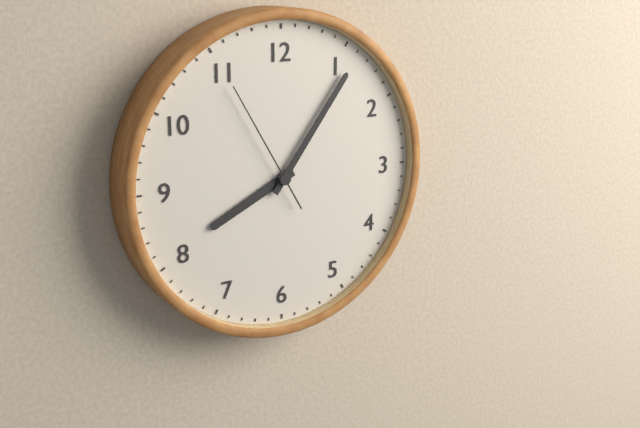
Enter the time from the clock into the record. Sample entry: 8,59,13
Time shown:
8,06,55
